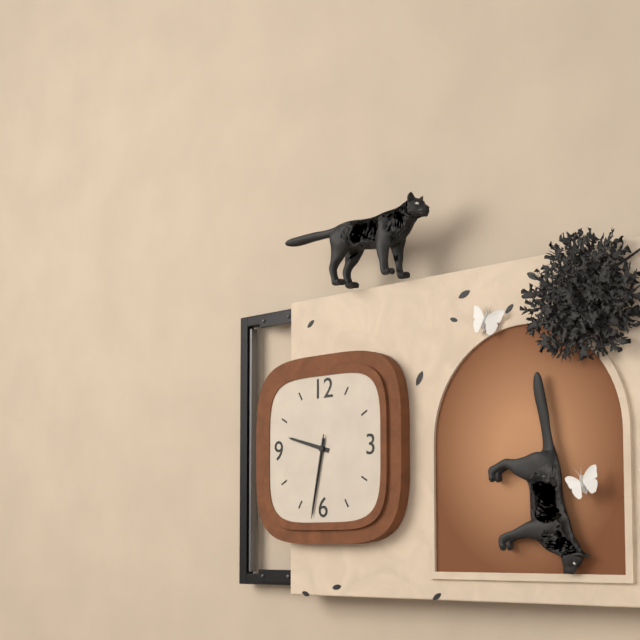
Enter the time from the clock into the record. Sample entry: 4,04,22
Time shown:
9,32,32
